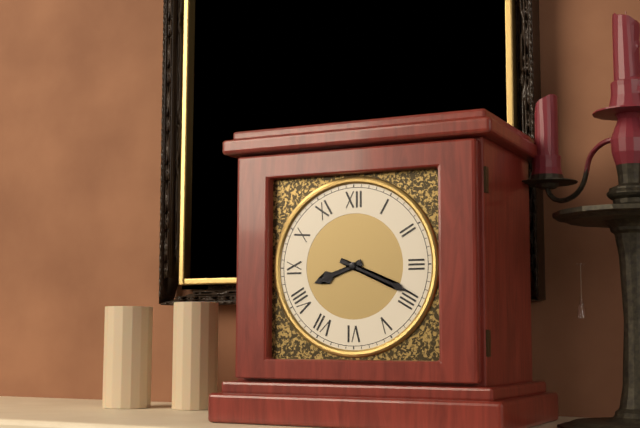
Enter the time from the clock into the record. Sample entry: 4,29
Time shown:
8,19
